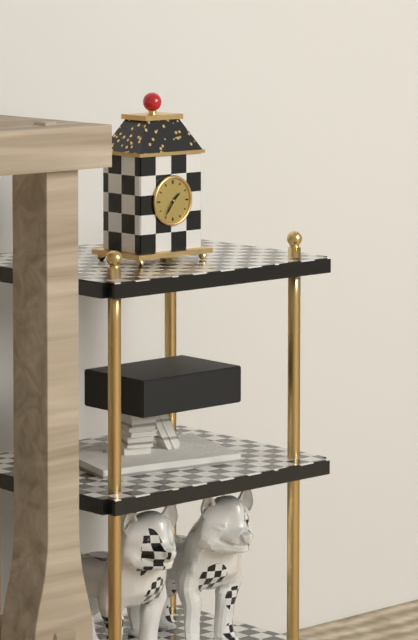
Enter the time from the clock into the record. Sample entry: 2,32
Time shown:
1,36
